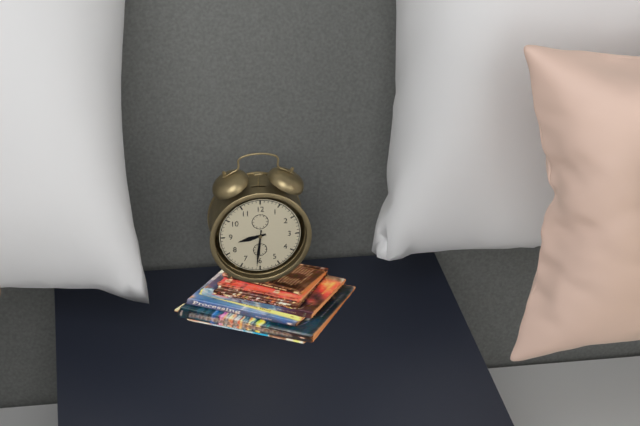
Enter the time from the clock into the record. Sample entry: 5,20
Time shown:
8,31
